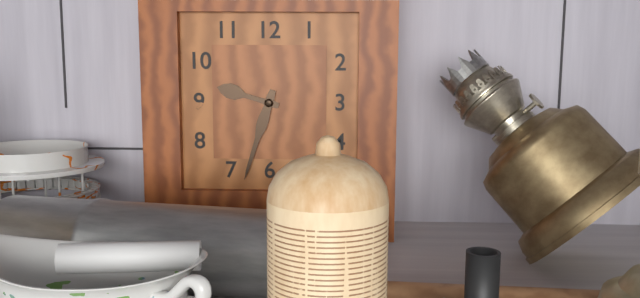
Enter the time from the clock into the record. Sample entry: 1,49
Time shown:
9,33
